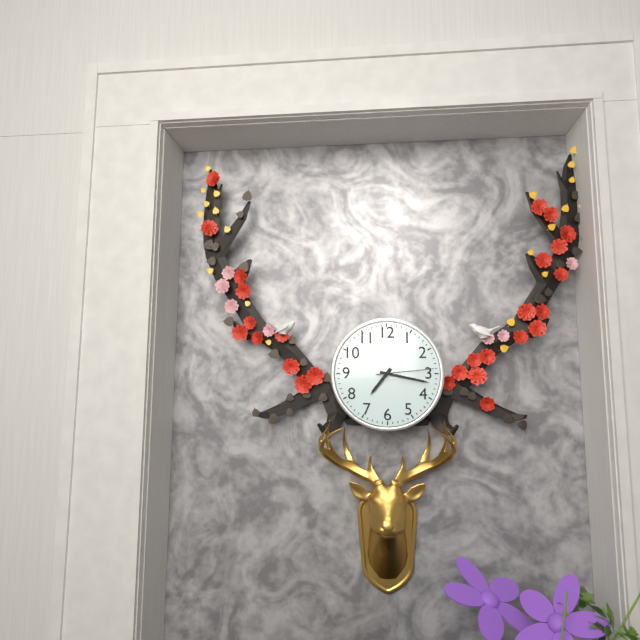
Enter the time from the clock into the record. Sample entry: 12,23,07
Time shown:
7,17,14
